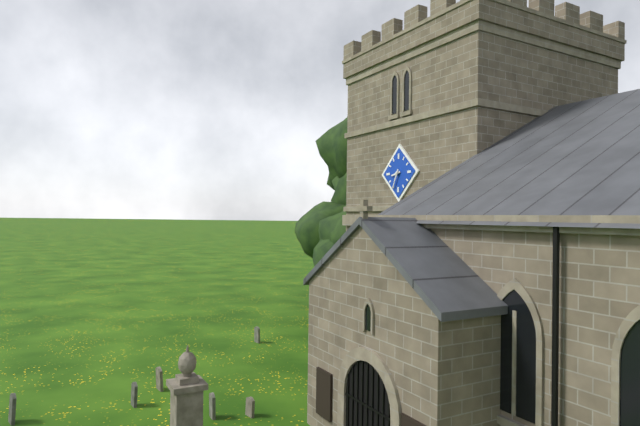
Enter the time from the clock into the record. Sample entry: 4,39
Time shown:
8,34
